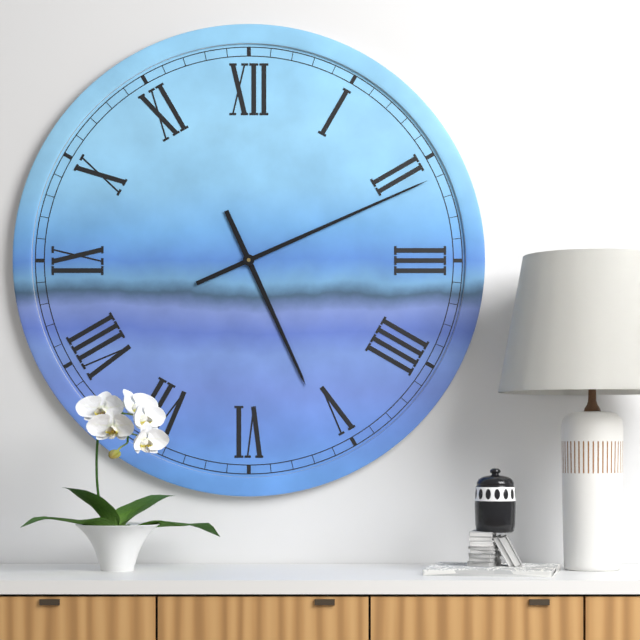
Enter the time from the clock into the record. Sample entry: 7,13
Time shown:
5,11
